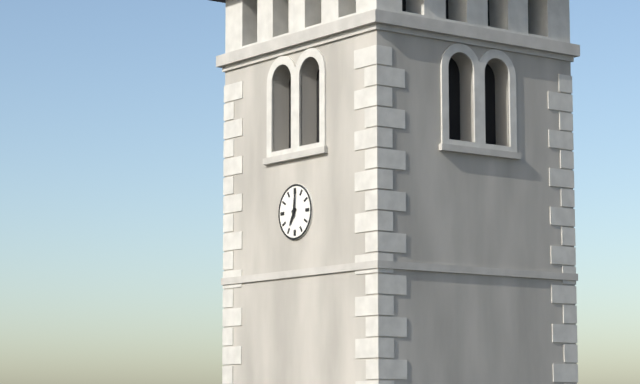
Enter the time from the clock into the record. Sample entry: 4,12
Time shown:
7,01
